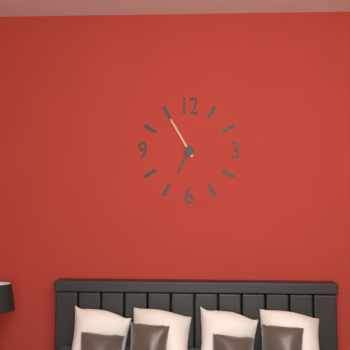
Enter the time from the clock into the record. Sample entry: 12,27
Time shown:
6,55
